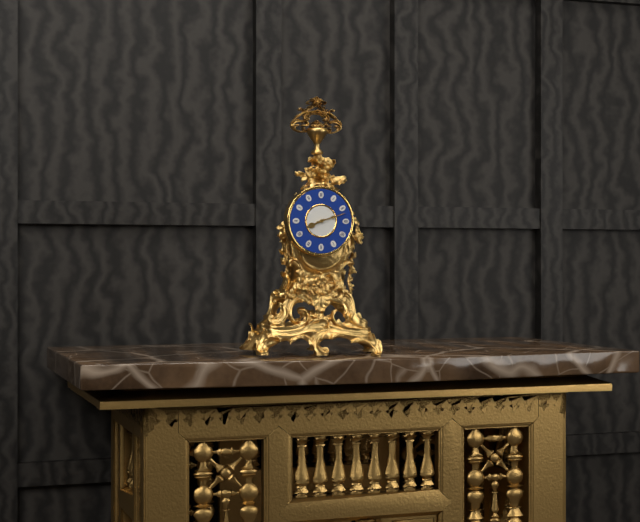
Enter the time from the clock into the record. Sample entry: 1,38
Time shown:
8,12
